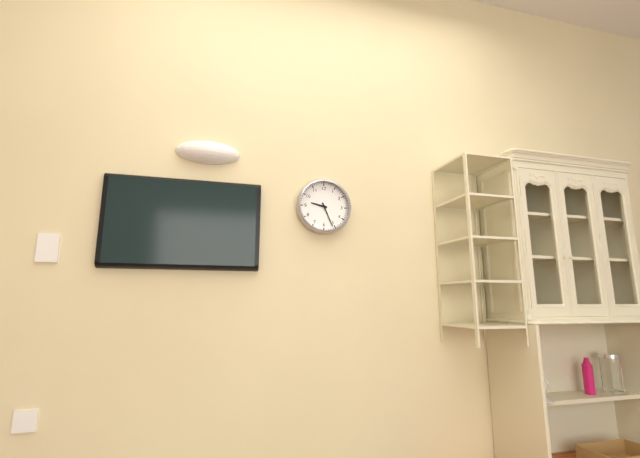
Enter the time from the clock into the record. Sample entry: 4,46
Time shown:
9,26
